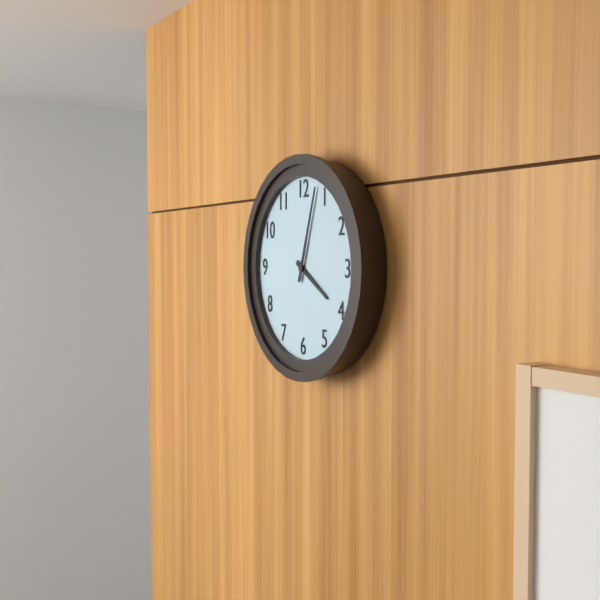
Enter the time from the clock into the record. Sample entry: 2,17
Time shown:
4,03
